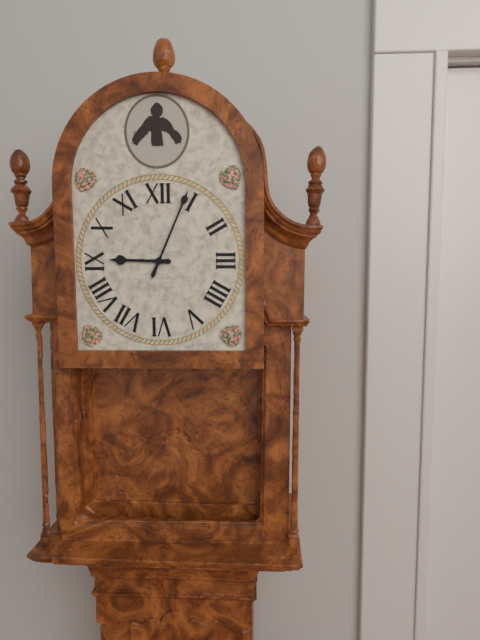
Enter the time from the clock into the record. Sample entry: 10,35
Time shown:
9,04
